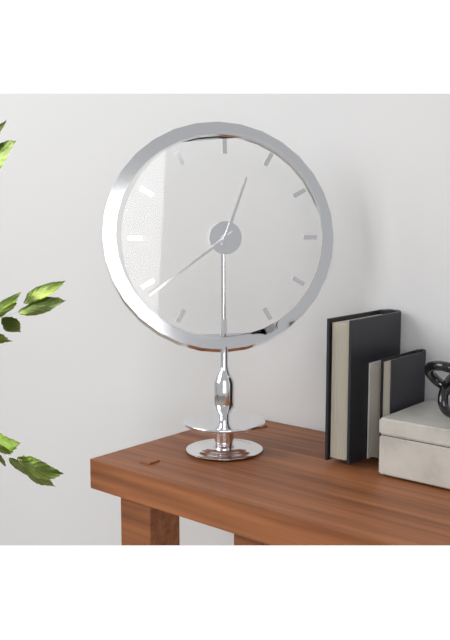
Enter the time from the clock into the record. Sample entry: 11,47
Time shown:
12,39
